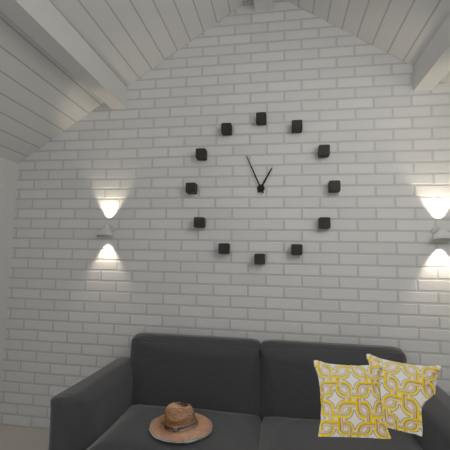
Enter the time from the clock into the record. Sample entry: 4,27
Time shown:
12,56
